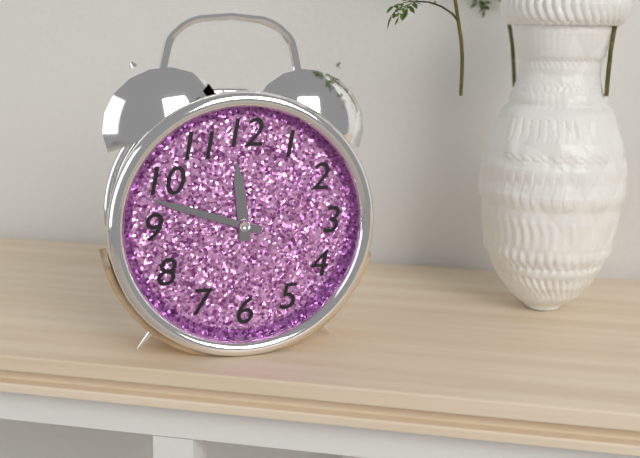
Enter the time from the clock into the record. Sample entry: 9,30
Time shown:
11,48
